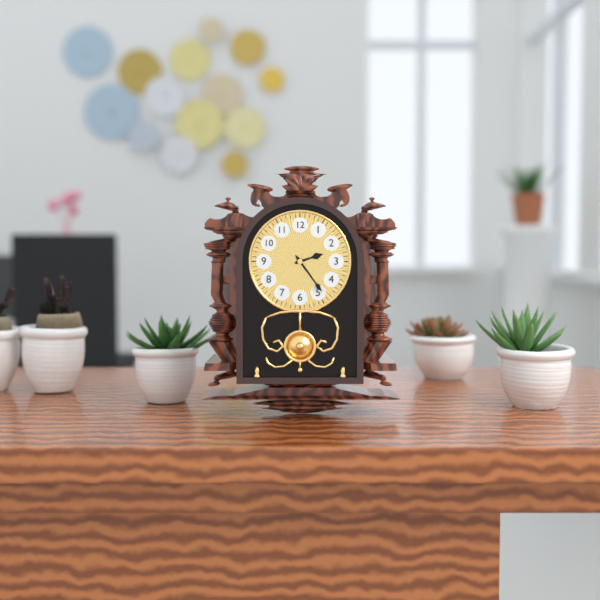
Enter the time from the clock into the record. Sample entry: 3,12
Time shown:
2,24
